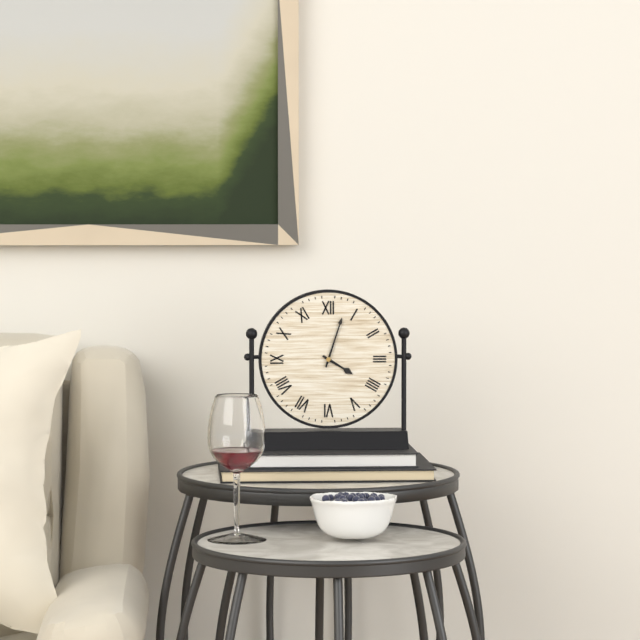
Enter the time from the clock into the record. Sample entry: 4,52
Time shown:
4,03
